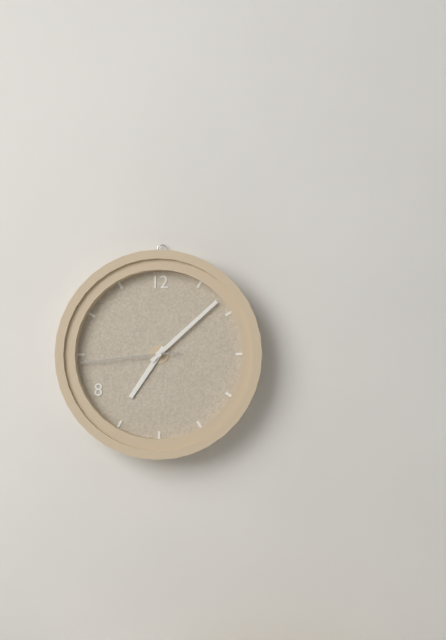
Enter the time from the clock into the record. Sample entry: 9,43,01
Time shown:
7,08,44
